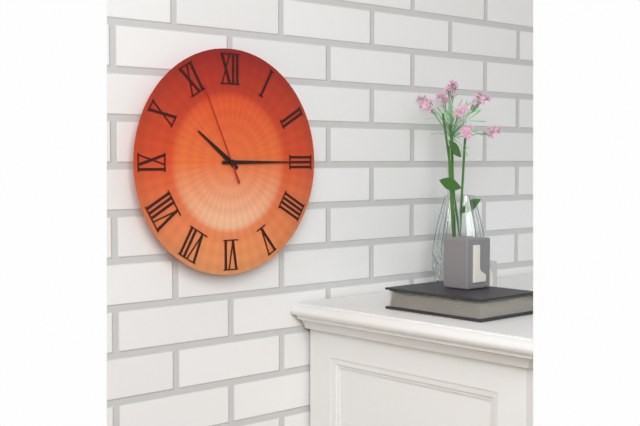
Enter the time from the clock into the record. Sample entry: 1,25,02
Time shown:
10,15,56
